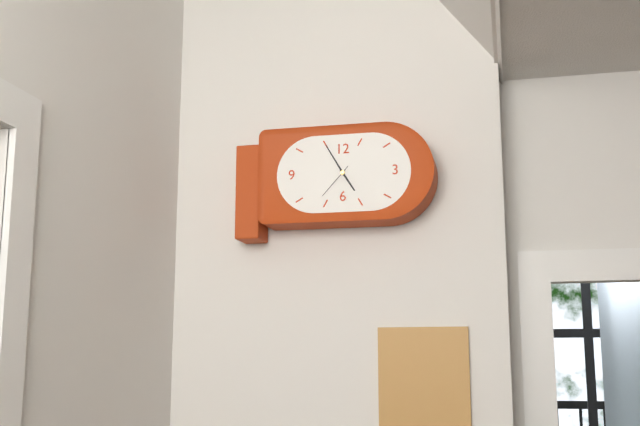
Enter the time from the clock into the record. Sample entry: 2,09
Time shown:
4,55
